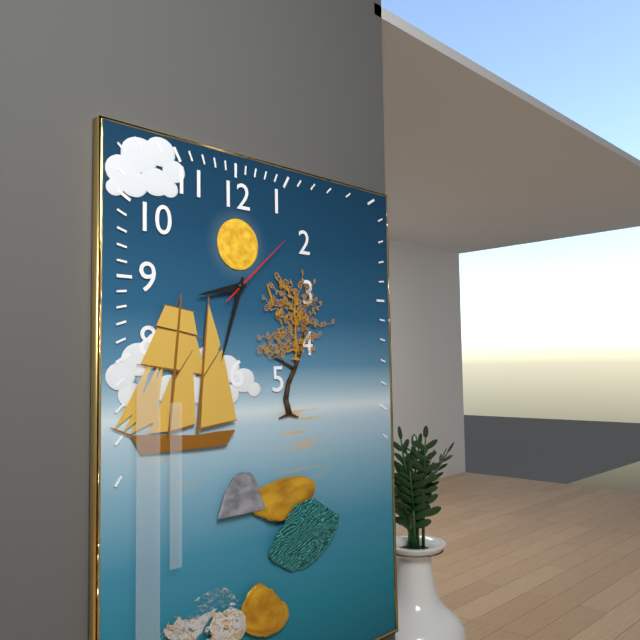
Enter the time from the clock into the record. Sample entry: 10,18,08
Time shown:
8,33,08
